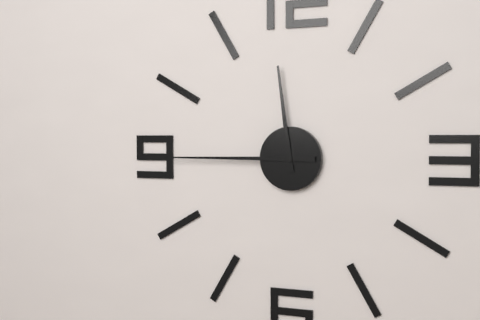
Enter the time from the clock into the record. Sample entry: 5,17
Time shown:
11,45
